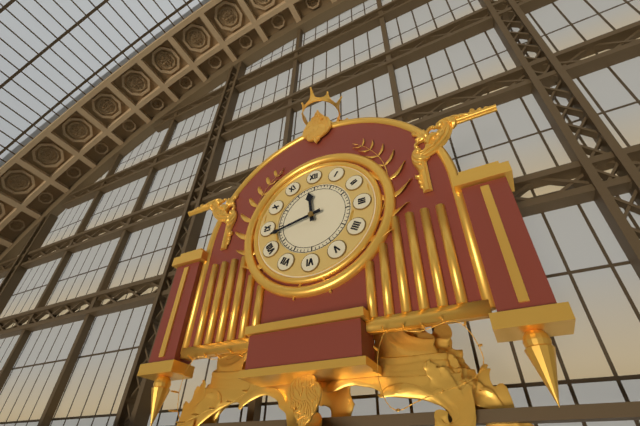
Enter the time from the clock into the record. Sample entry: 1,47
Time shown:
11,43
